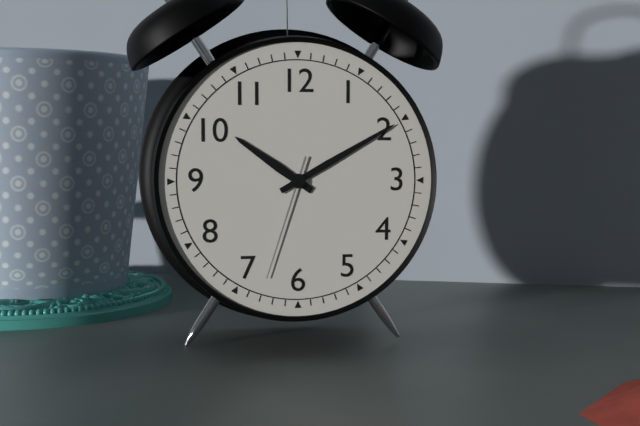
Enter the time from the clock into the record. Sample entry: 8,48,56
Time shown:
10,10,33
